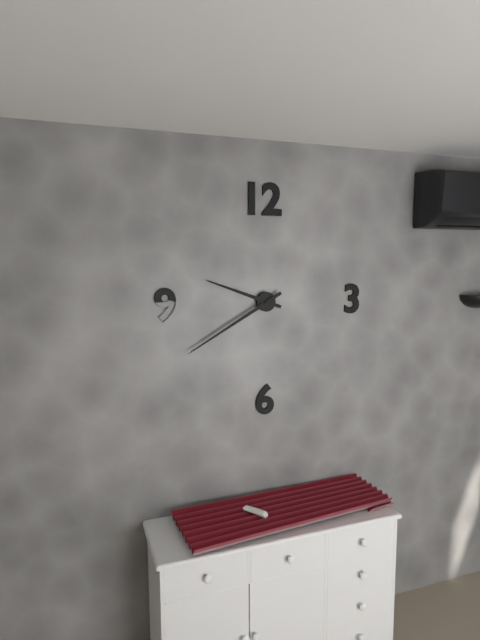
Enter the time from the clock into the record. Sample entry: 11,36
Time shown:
9,40
